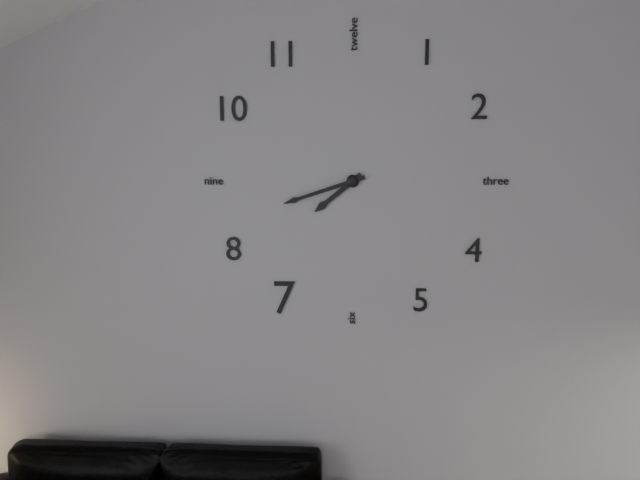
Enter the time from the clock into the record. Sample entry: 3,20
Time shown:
7,42
